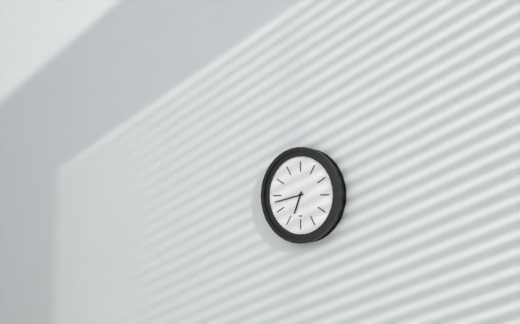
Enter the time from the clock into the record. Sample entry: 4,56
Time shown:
6,43
